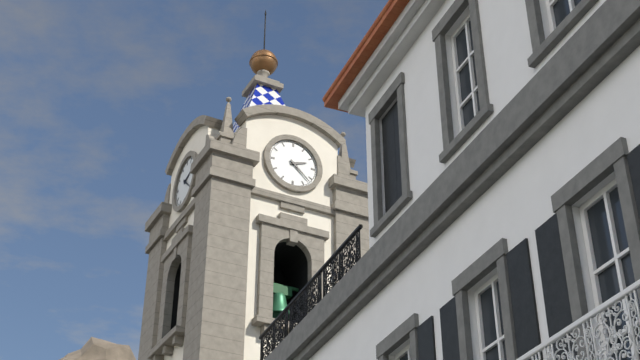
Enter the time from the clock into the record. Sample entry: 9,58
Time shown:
2,22
